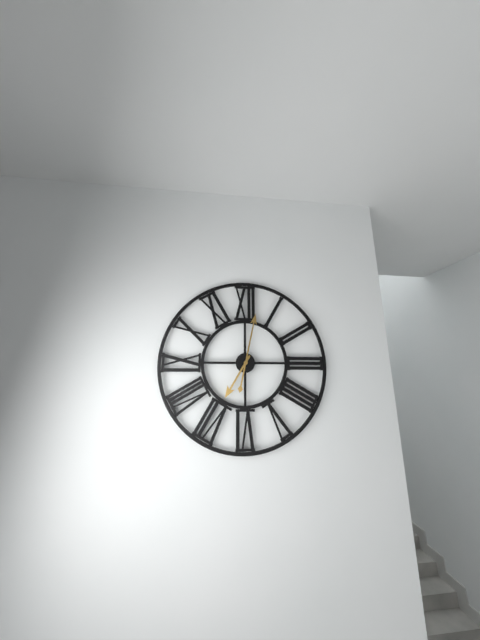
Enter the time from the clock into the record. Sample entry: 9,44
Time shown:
7,02
